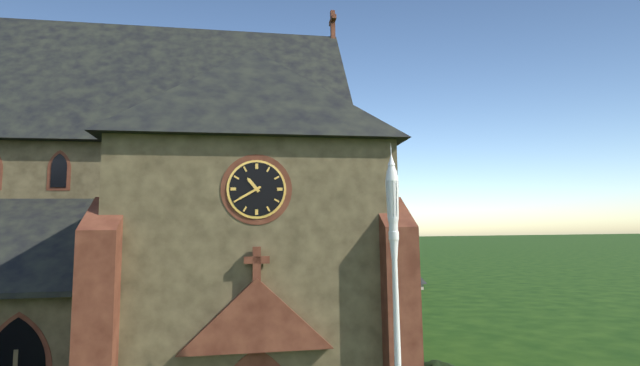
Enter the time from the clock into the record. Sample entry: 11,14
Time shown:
10,40
